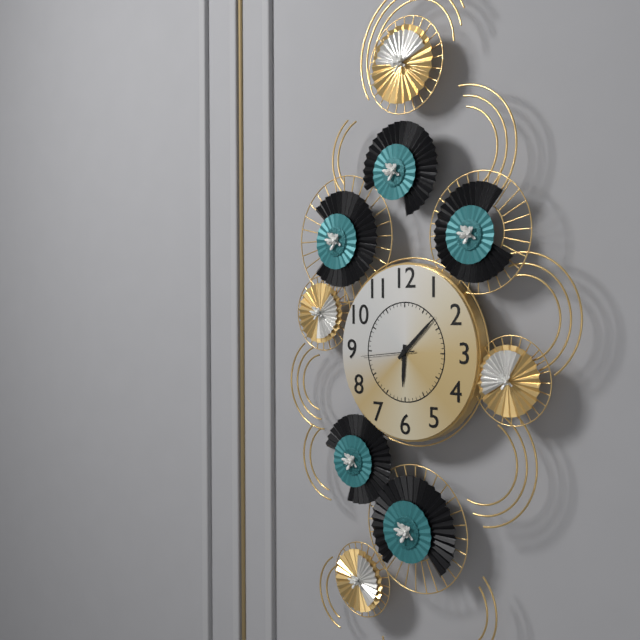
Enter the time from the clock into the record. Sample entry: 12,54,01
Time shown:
6,08,44
